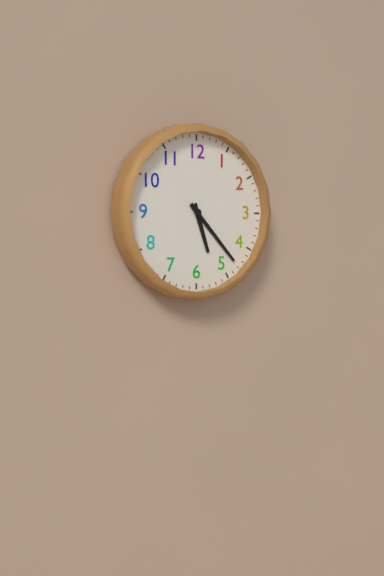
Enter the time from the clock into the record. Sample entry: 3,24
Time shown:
5,23
